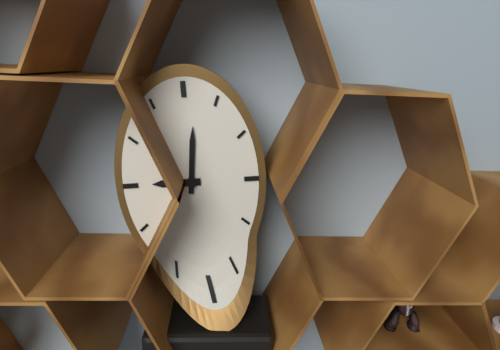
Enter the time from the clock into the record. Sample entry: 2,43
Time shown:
9,01
